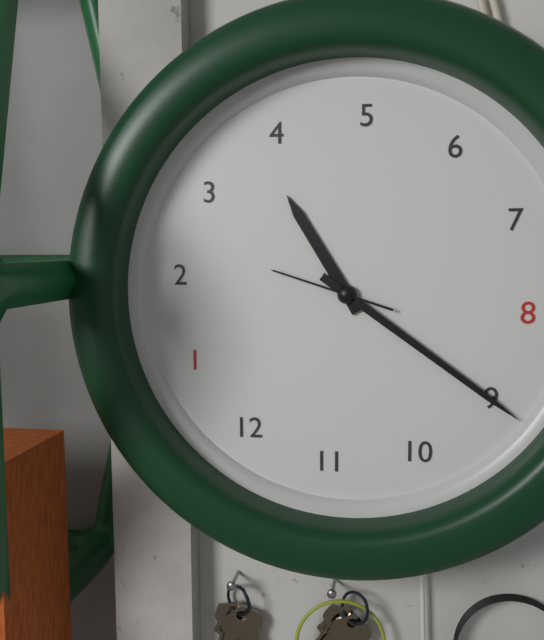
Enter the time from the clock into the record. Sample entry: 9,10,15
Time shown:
3,45,12
